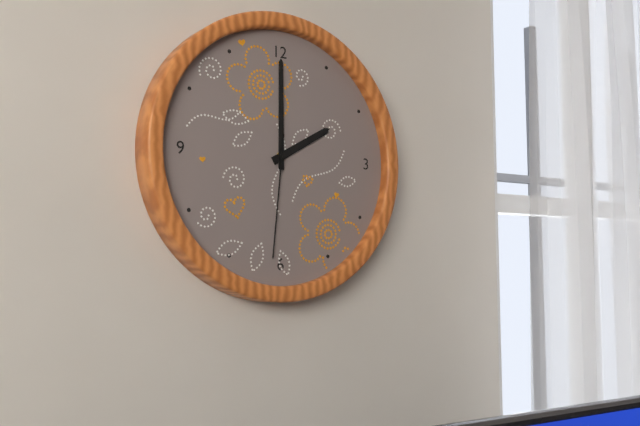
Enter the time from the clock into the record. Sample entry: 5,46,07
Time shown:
2,00,31
